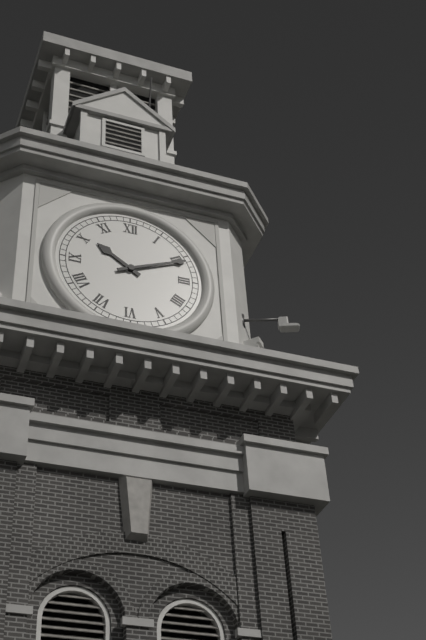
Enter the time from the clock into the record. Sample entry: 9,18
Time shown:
10,11
